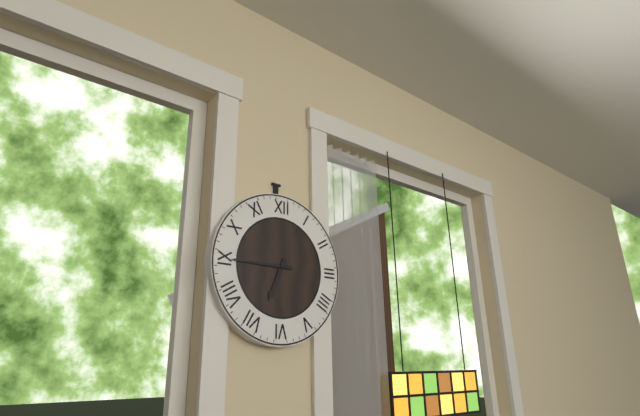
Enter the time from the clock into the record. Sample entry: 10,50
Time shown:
6,45
